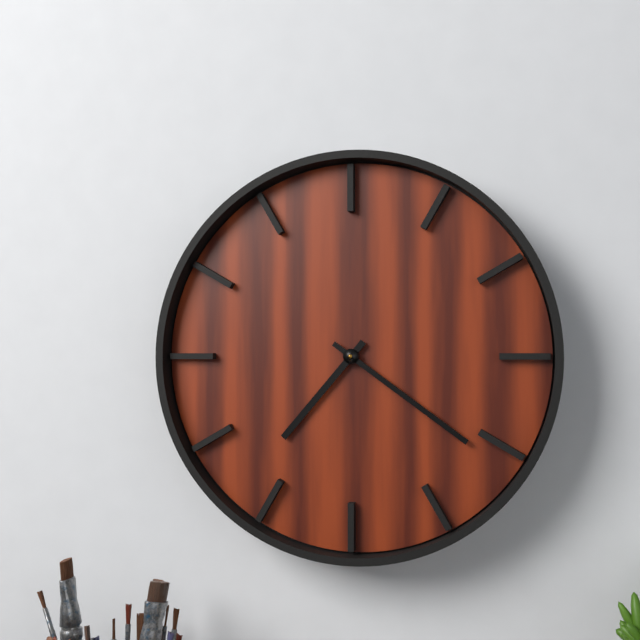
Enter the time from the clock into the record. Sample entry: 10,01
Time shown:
7,21
